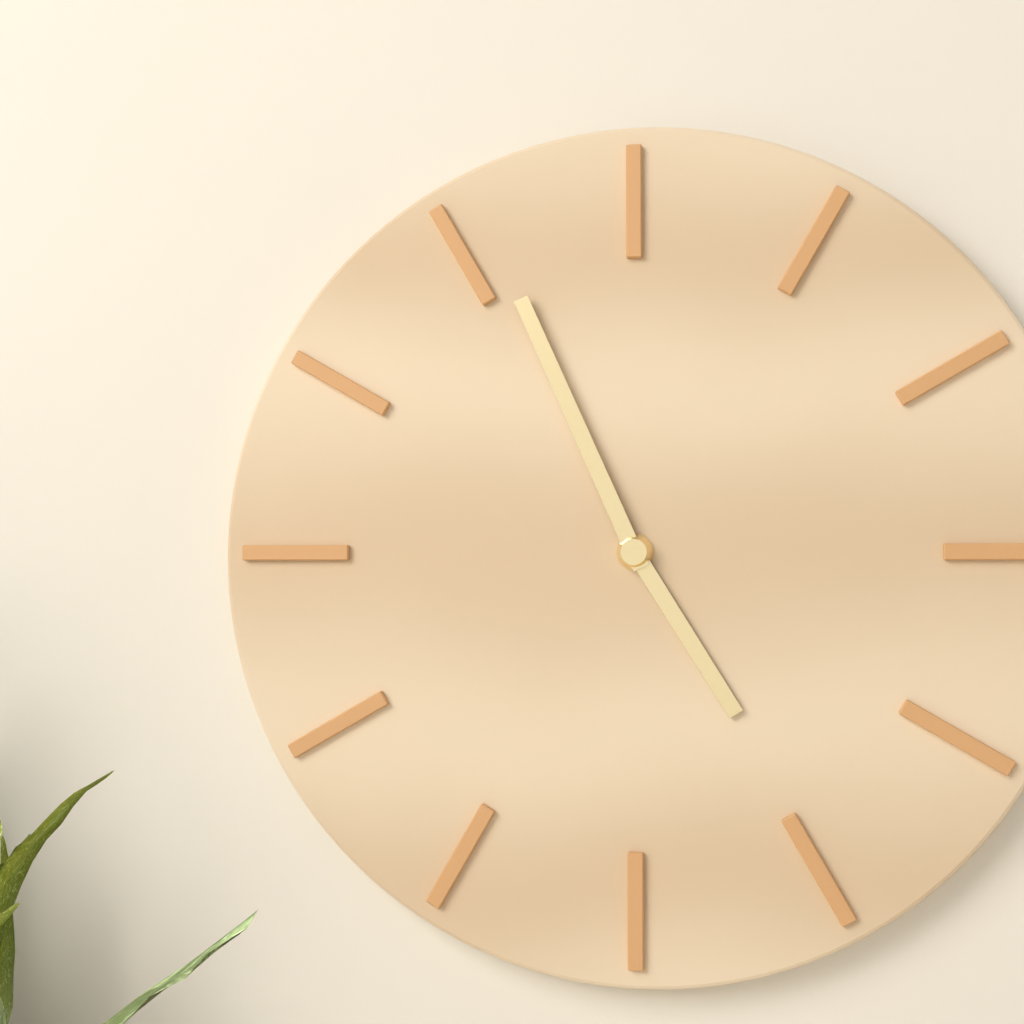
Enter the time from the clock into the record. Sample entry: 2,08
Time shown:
4,56
